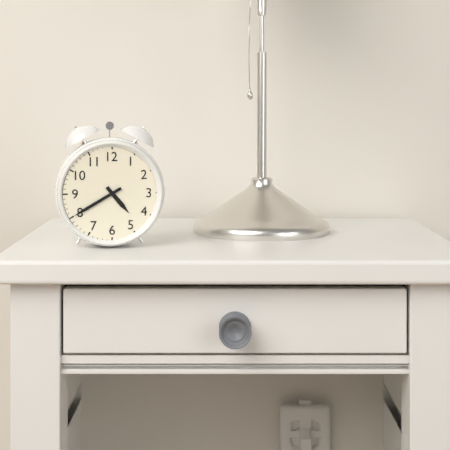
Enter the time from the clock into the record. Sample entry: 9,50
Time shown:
4,40
